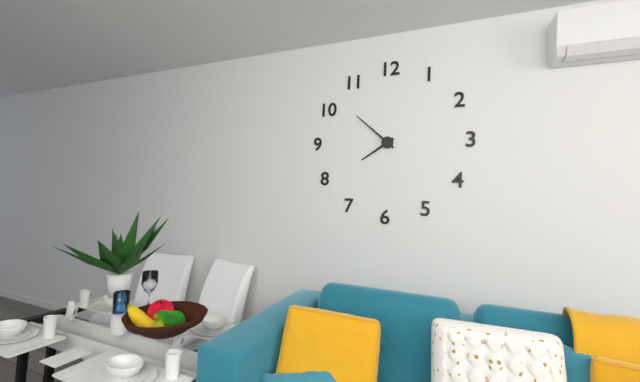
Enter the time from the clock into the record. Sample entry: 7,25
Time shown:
7,52
